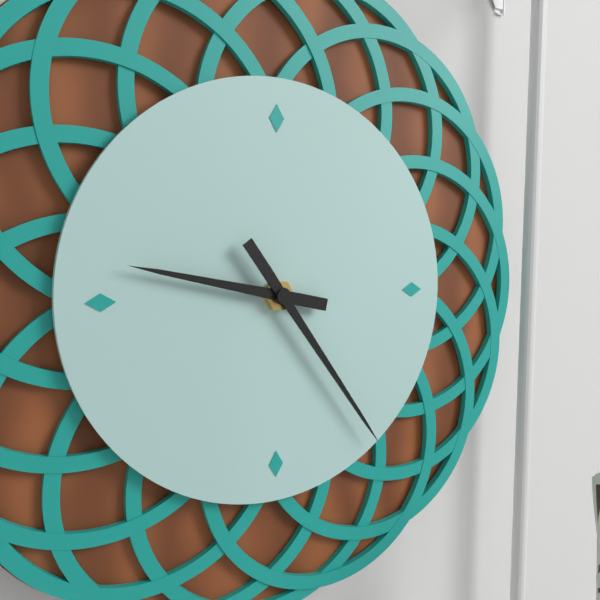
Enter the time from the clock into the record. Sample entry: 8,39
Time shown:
9,24
